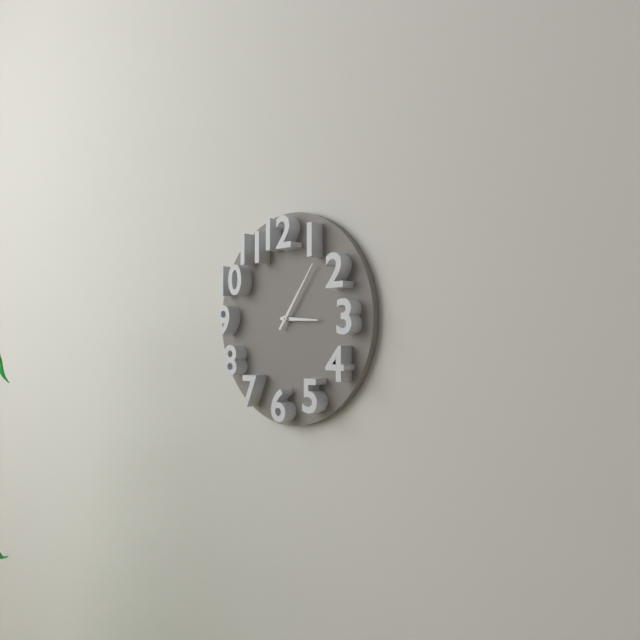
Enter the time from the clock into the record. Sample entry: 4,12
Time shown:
3,06
